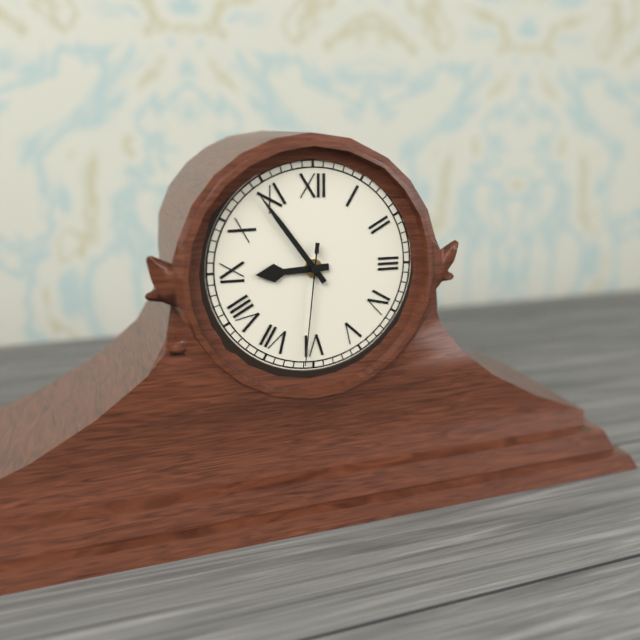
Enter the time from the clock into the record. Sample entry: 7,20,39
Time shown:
8,54,31
